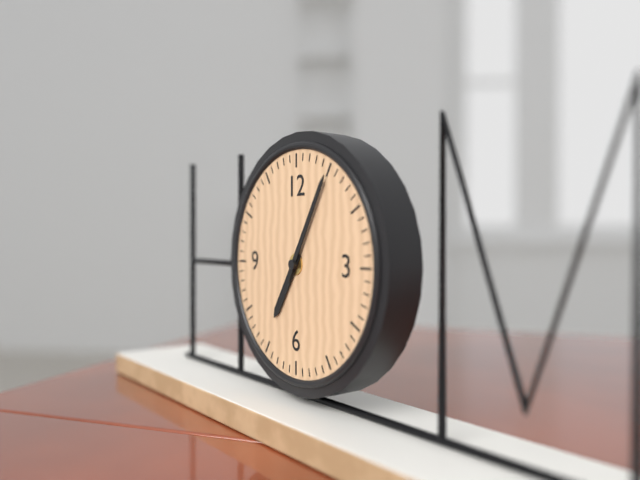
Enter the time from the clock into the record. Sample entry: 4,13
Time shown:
7,05
